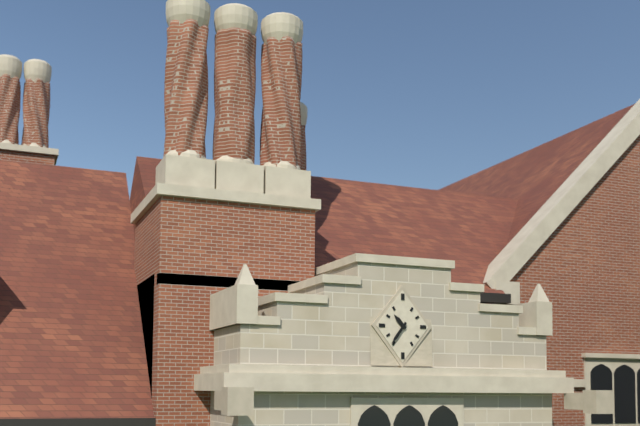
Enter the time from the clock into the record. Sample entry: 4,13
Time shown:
10,36
